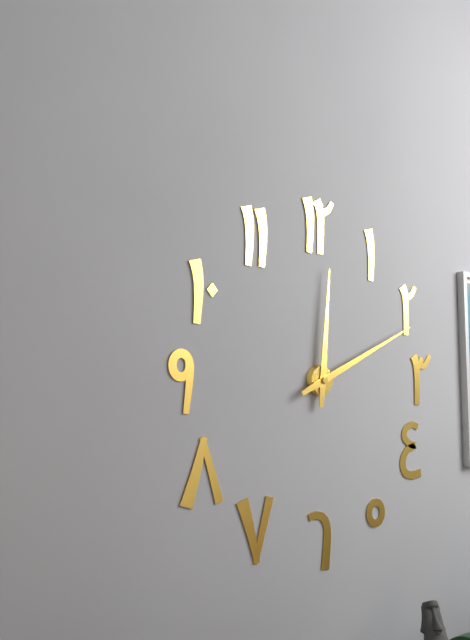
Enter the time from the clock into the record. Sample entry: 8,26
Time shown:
12,11
